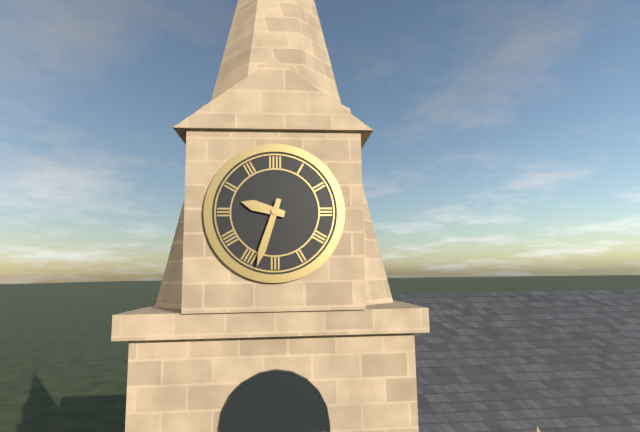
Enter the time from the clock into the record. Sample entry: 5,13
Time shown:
9,33
